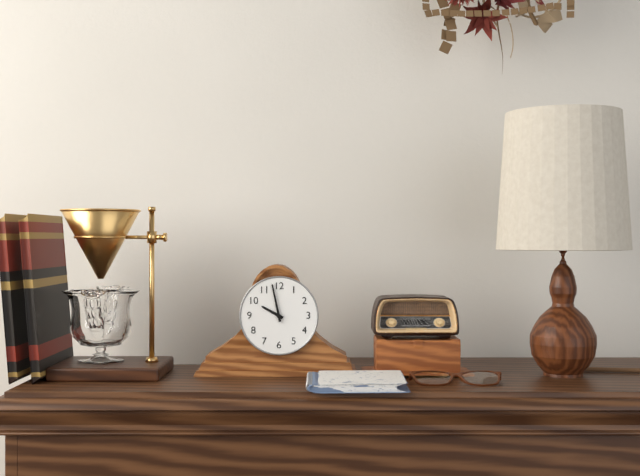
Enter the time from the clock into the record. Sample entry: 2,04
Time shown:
9,58
